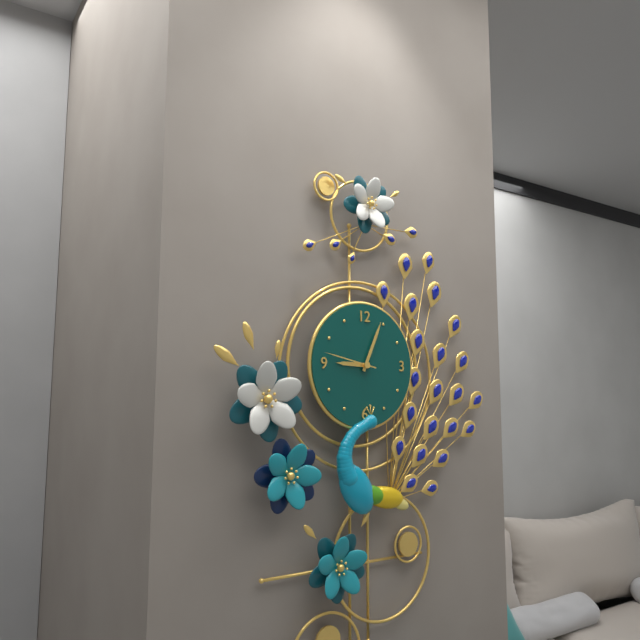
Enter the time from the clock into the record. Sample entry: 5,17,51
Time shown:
9,04,47
